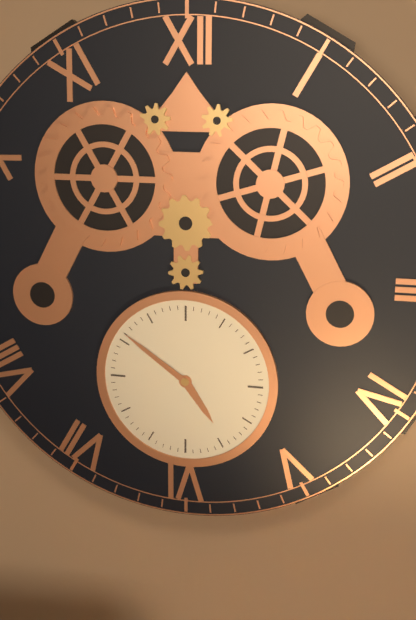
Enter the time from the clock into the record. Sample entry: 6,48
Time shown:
4,51
